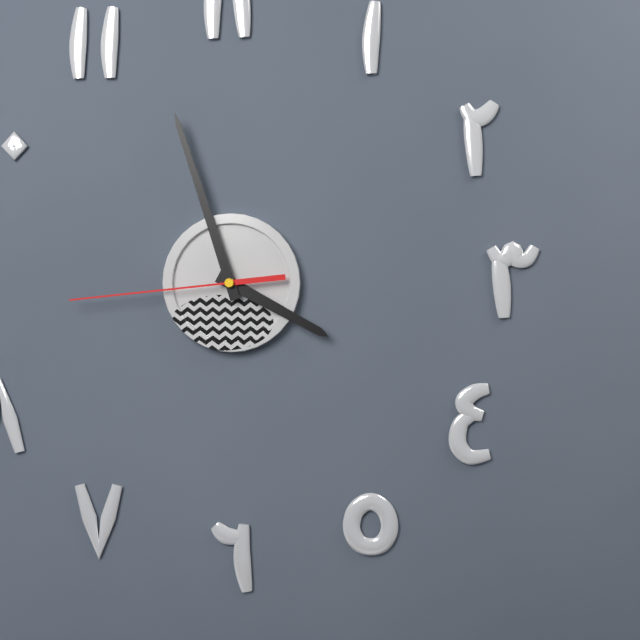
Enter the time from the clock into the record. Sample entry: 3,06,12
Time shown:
3,57,44
